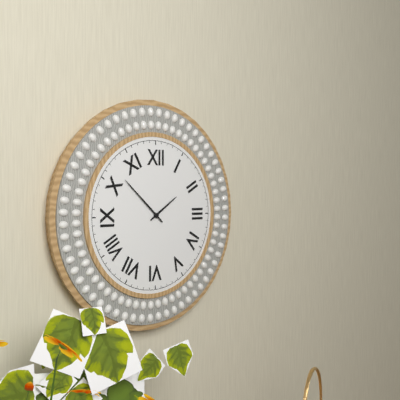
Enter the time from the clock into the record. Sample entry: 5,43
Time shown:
1,52
